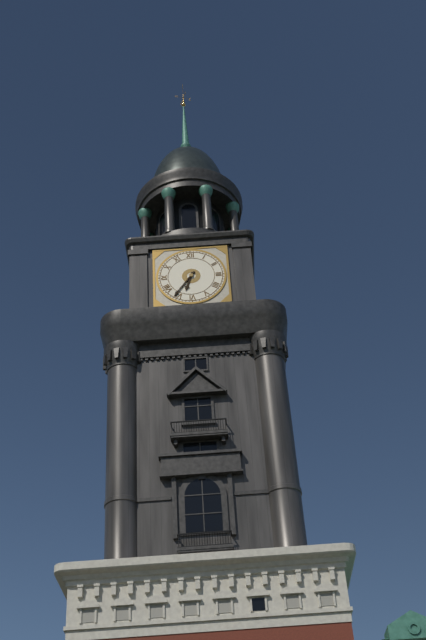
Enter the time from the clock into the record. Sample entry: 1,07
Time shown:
6,36
